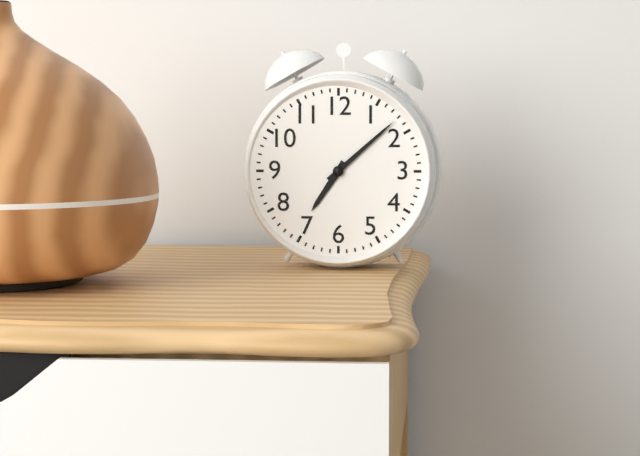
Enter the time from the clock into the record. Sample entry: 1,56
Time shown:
7,08
